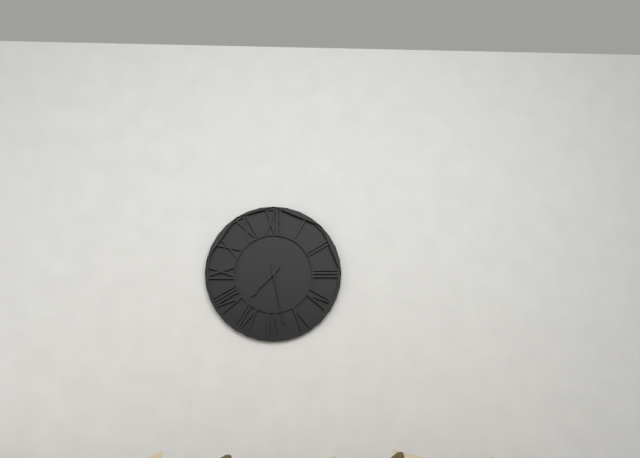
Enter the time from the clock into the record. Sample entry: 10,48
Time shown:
7,28
